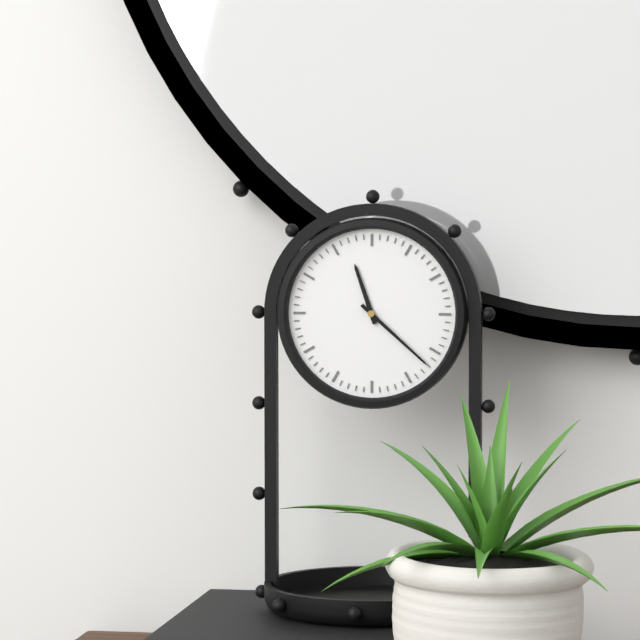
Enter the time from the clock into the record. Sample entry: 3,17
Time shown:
11,22
